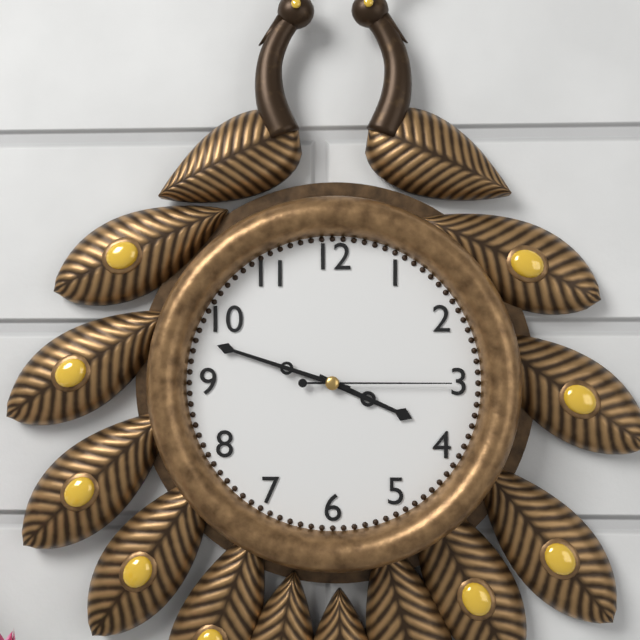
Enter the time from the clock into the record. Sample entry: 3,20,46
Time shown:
3,48,15
